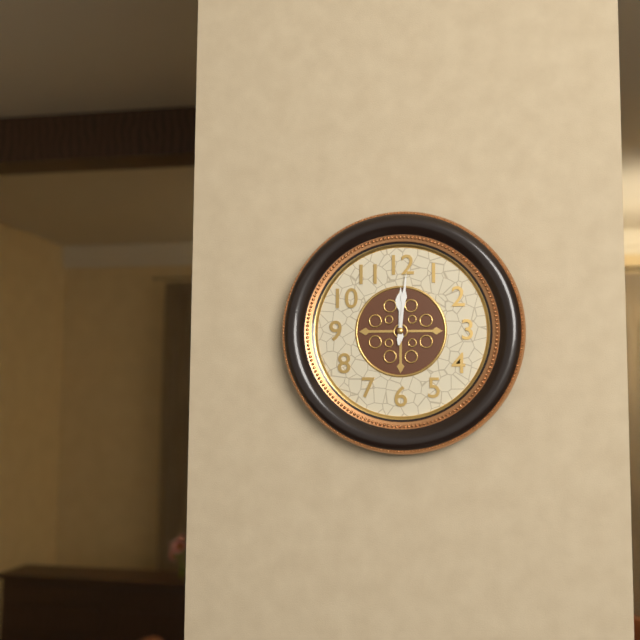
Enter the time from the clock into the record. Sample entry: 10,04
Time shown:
12,01
